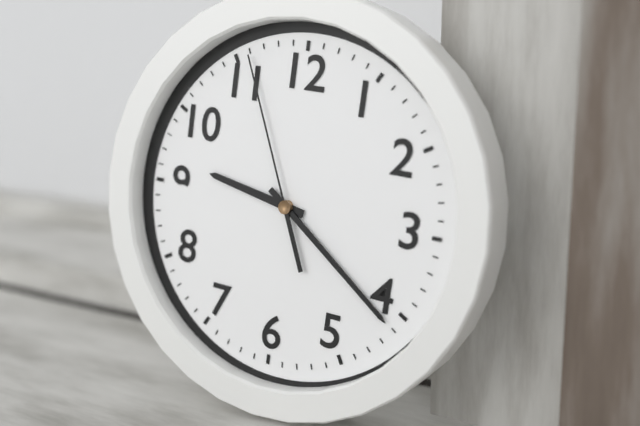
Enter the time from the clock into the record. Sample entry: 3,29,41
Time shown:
9,21,56
